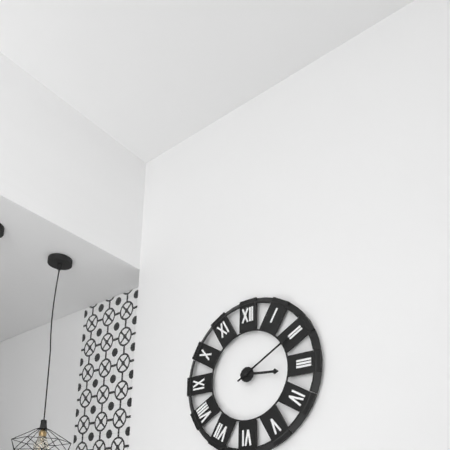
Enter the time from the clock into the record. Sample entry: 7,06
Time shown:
3,10
